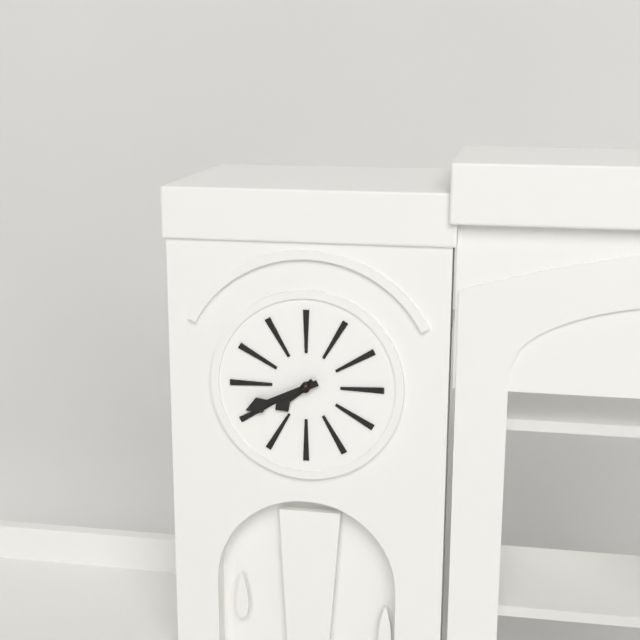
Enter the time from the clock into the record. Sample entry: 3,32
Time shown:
7,41
